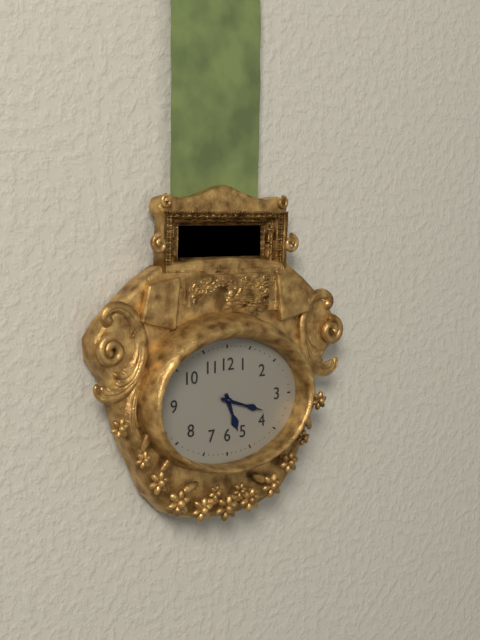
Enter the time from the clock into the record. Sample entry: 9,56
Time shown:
5,18
